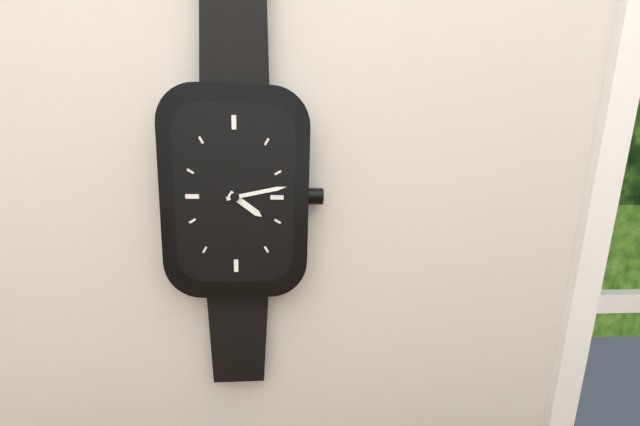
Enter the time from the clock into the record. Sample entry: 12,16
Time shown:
4,13
